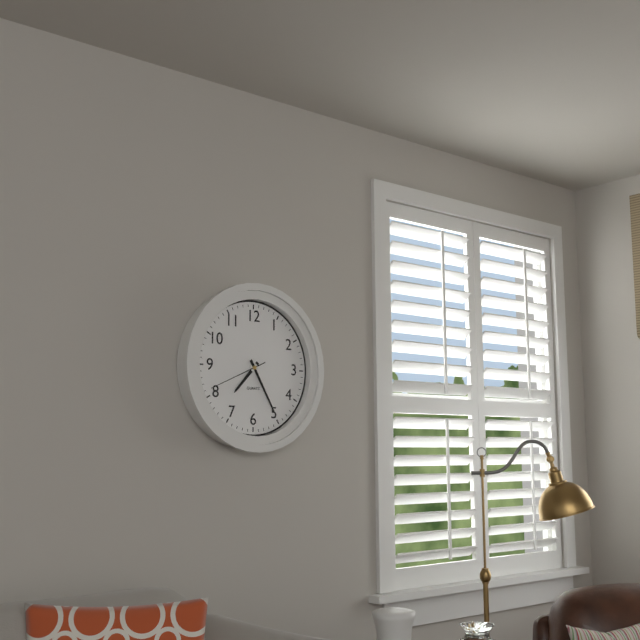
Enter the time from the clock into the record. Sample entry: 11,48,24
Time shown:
7,25,41
